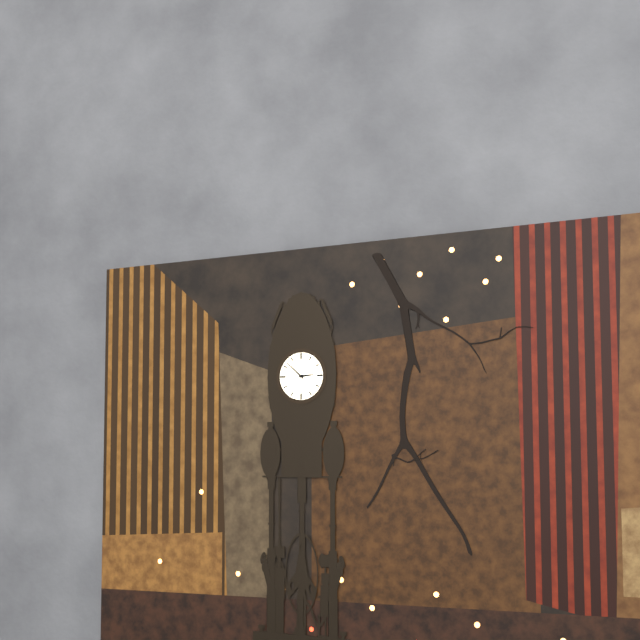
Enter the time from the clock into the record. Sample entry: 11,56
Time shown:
2,52
